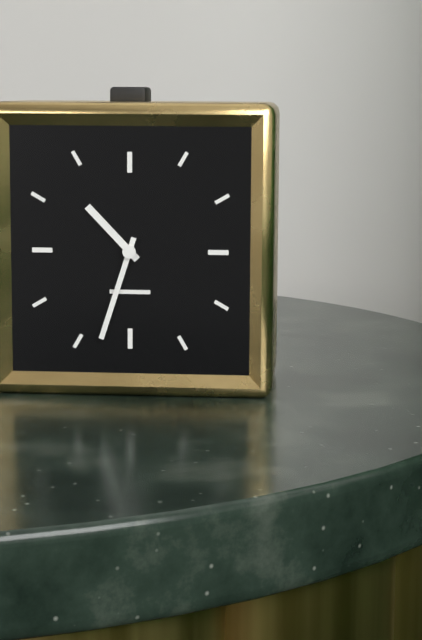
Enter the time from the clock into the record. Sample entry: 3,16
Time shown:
10,33
